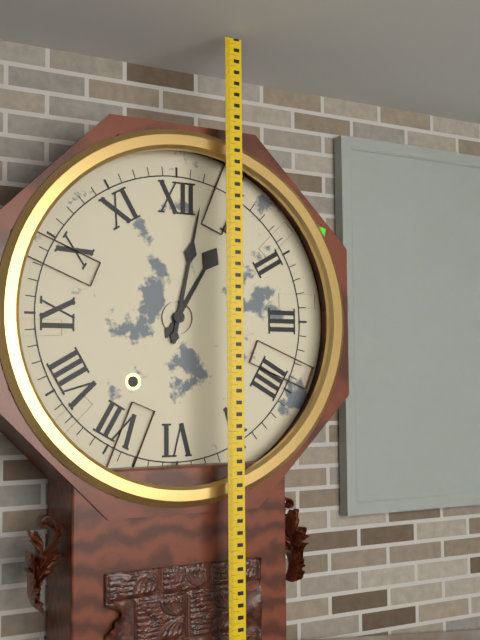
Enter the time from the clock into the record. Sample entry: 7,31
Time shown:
1,02
